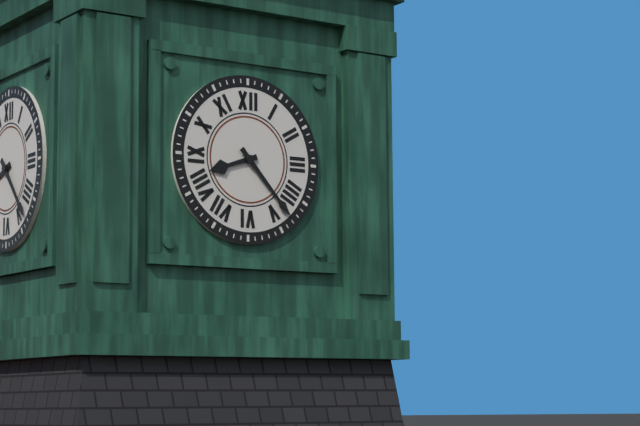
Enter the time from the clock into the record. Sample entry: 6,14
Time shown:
8,23
